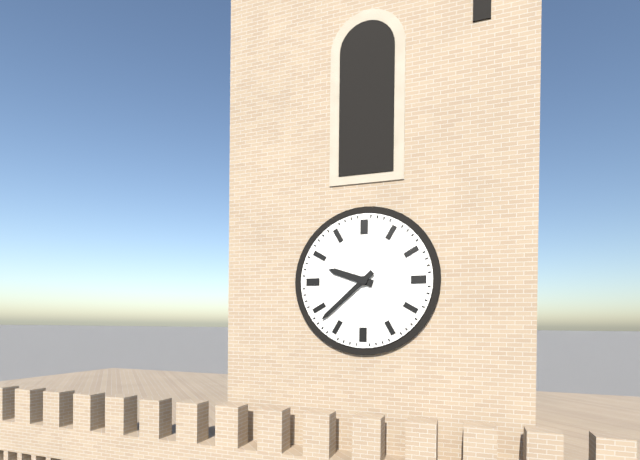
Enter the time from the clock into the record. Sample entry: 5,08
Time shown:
9,38
